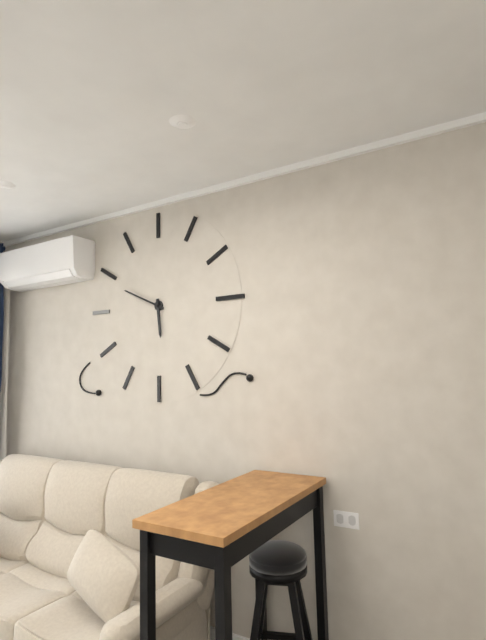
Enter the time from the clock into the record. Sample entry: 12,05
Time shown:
5,49
